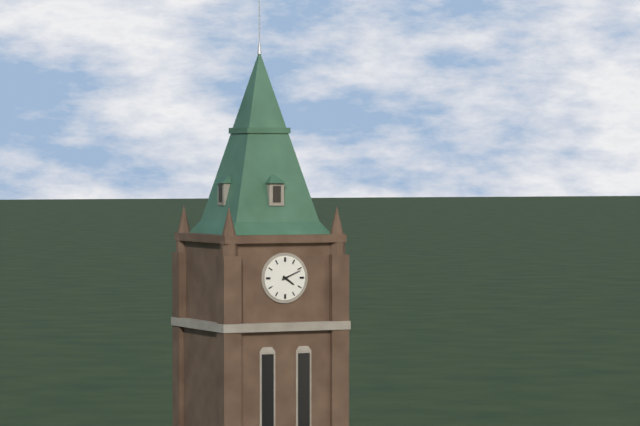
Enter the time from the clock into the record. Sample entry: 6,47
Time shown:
4,11
